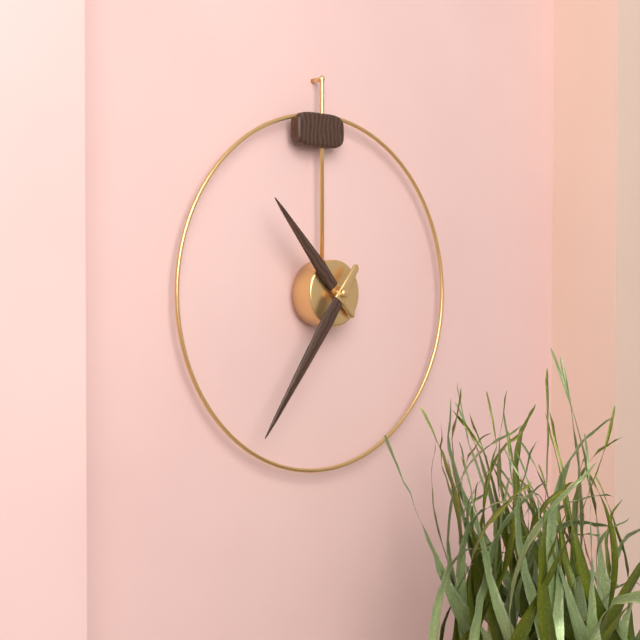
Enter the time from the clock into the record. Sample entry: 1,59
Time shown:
10,36
